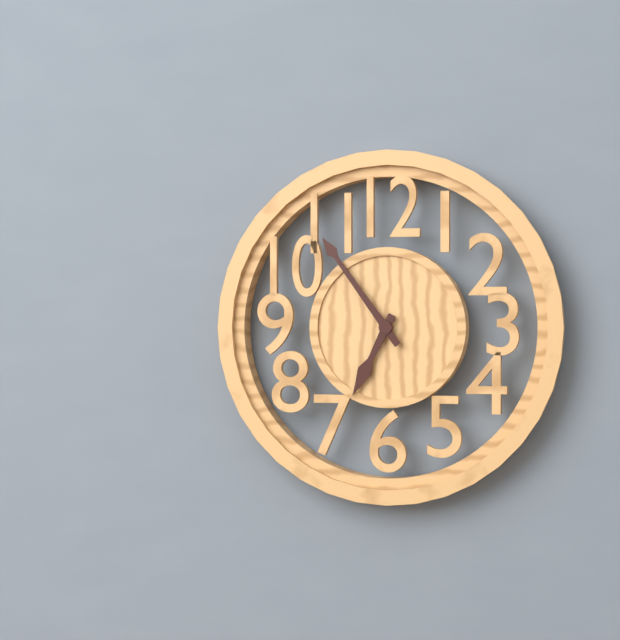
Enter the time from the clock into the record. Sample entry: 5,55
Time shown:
6,54
